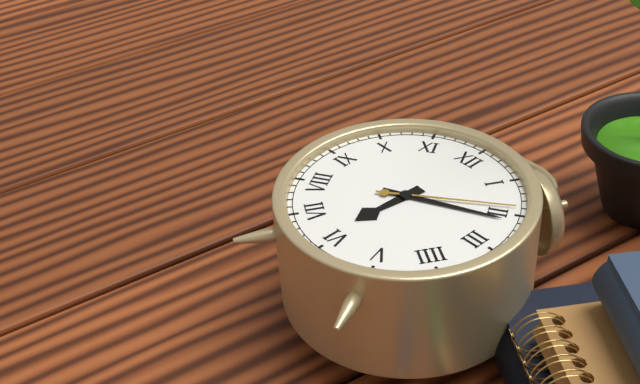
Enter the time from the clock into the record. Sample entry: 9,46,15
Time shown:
6,11,09
